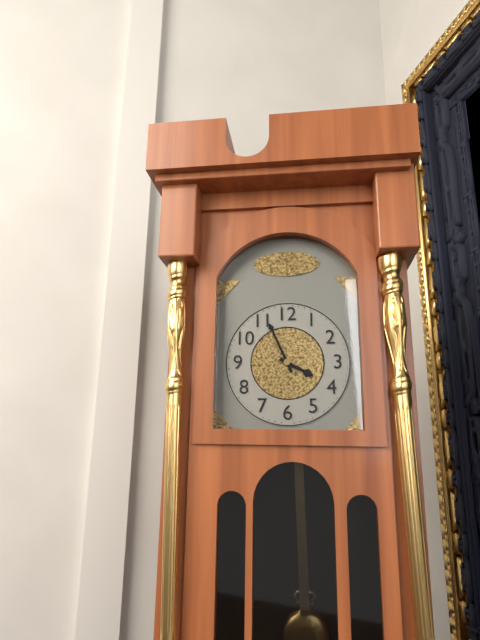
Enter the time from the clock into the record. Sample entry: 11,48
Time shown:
3,56
